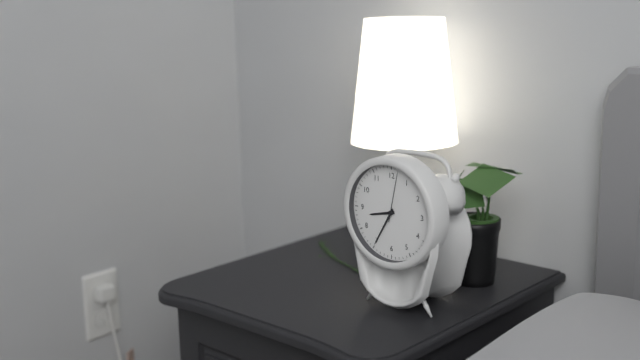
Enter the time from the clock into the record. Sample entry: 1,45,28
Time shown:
8,35,02
